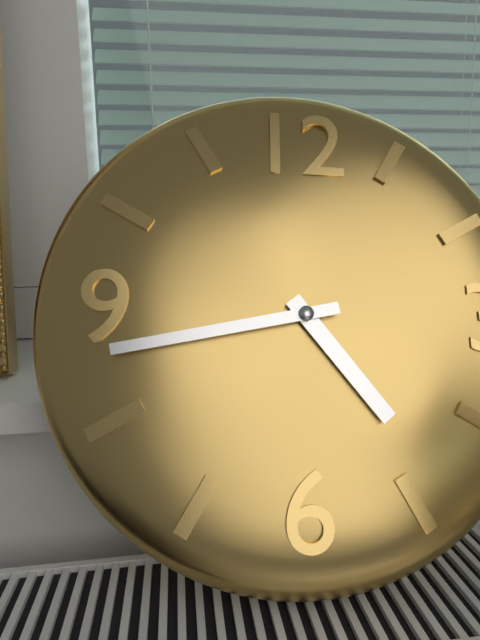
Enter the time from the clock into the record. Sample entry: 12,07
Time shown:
4,43
